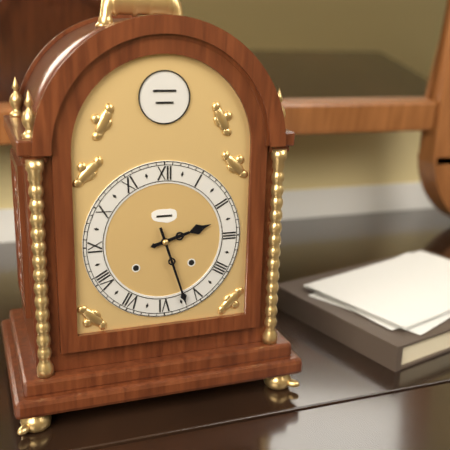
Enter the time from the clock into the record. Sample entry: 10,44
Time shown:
2,27
